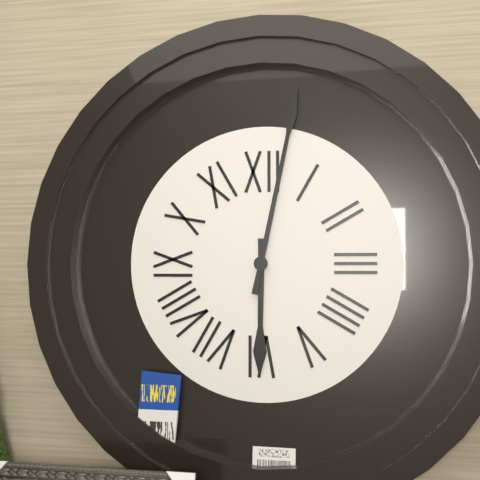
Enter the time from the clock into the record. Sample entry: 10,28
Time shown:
6,02
